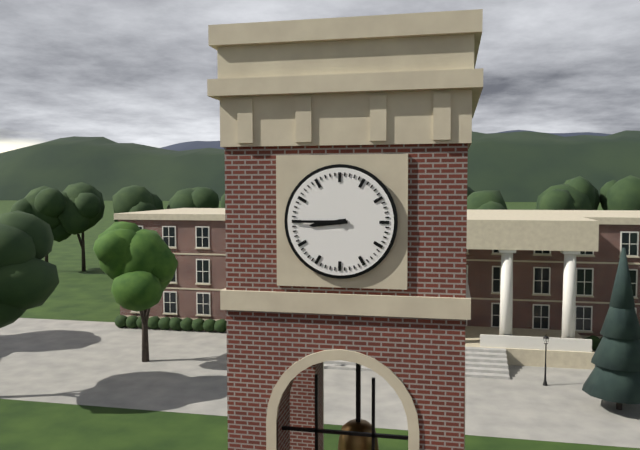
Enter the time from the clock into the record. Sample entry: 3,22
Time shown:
8,45
